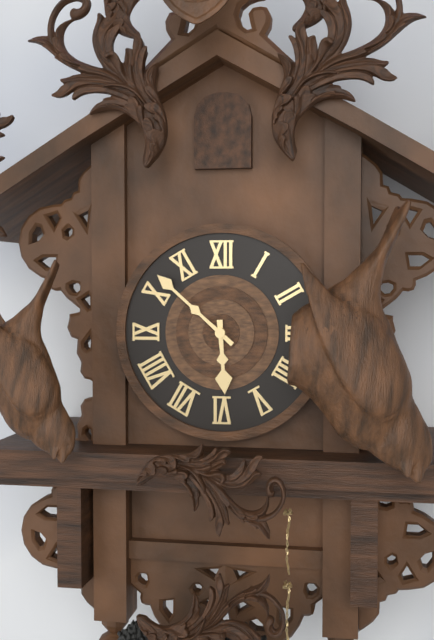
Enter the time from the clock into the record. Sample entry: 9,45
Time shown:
5,52
